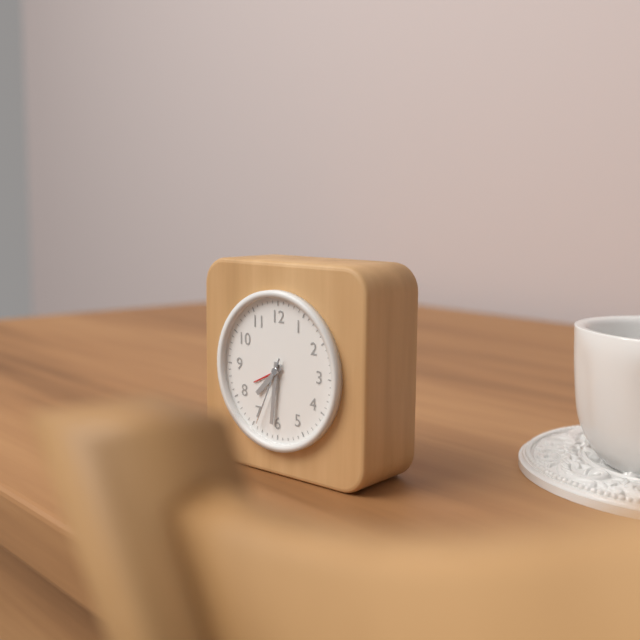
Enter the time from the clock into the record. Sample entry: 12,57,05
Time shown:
7,31,34
